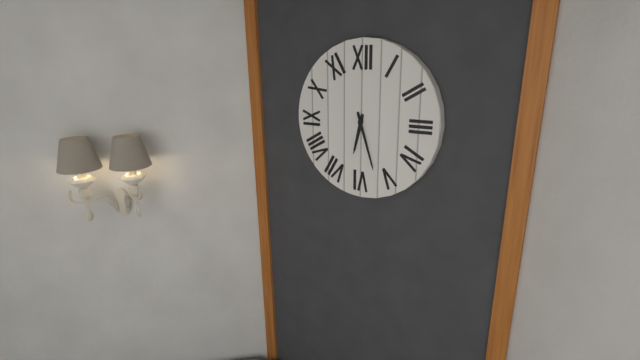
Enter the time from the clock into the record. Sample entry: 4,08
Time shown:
6,27
